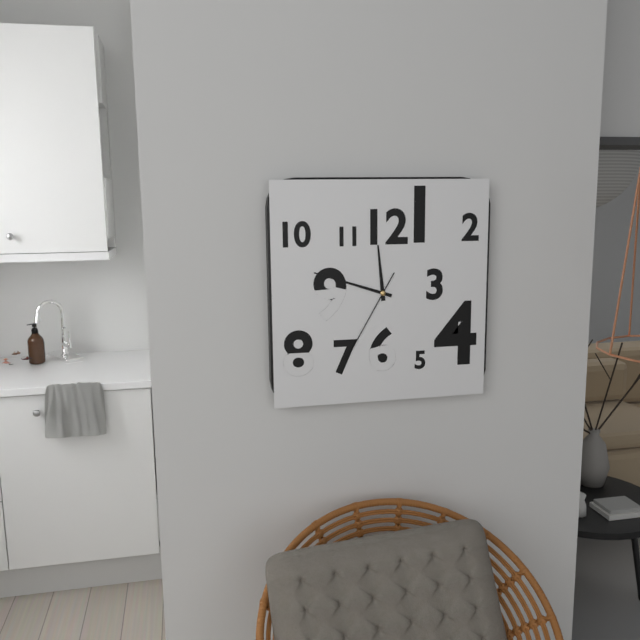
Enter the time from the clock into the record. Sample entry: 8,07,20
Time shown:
11,48,35
